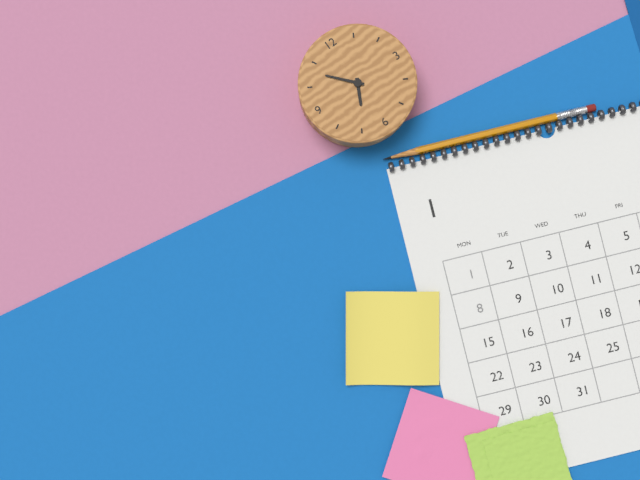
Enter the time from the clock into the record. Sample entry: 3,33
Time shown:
6,53
